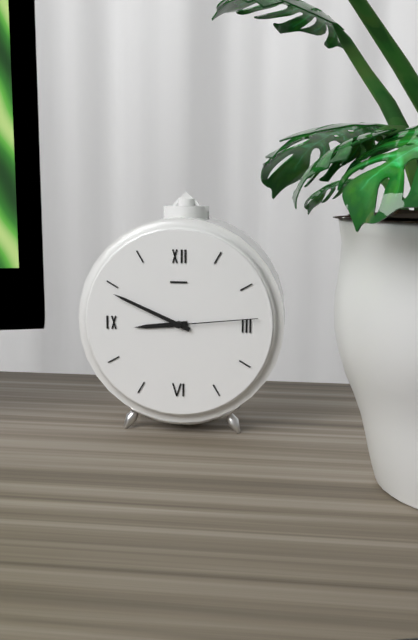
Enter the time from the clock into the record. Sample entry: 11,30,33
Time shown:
8,49,14
